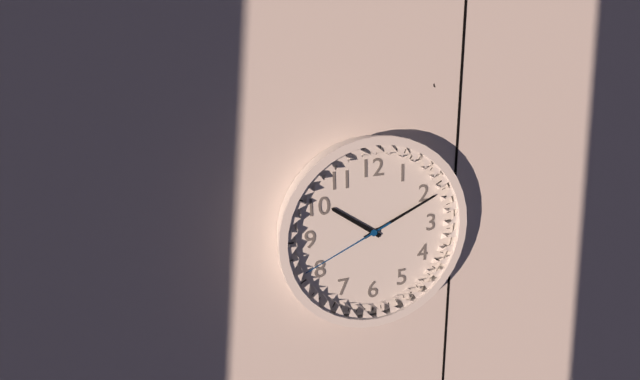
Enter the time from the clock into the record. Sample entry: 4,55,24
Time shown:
10,11,41
